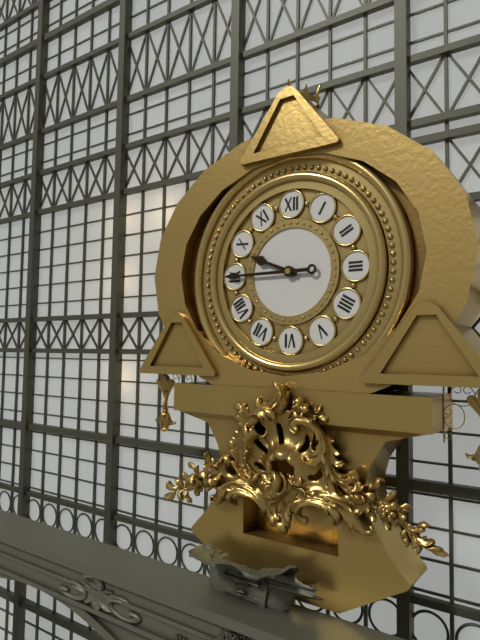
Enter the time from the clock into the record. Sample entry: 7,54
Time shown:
9,45
